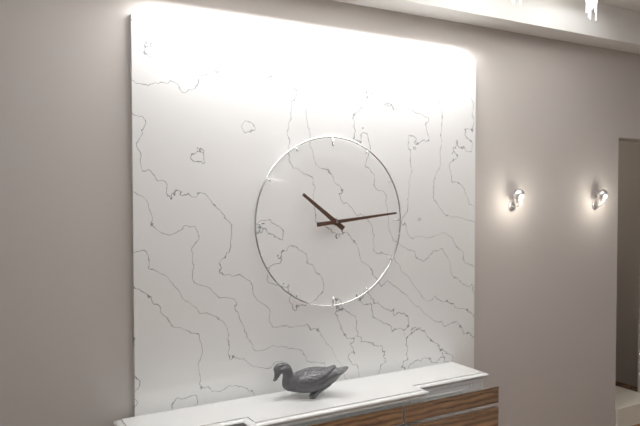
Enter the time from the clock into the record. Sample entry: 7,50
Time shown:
10,14
